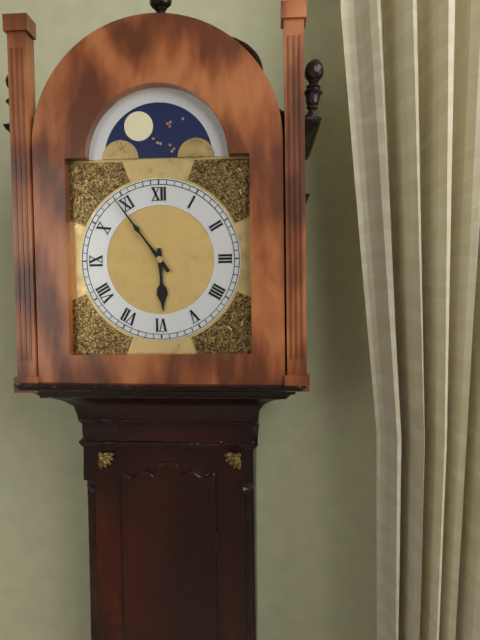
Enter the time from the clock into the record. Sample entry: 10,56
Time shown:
5,54
